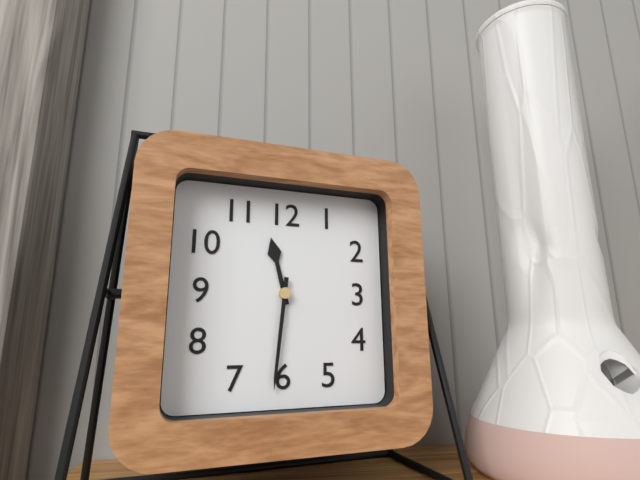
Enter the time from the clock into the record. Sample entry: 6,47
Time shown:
11,31
